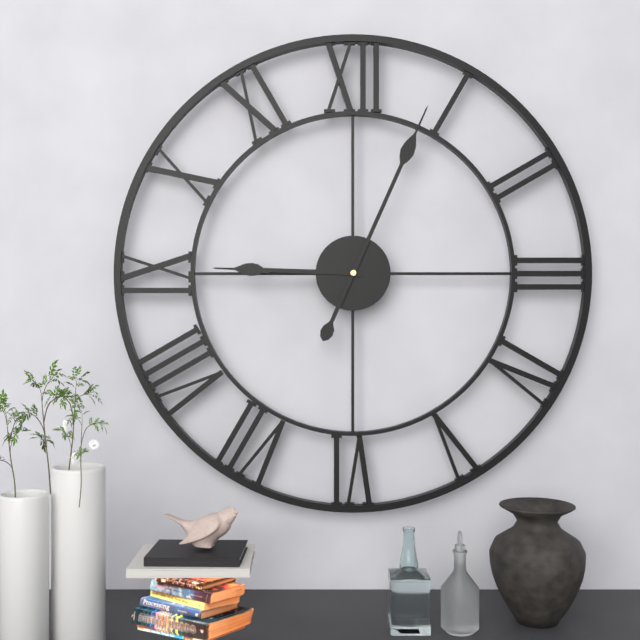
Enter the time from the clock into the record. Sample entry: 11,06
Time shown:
9,04
